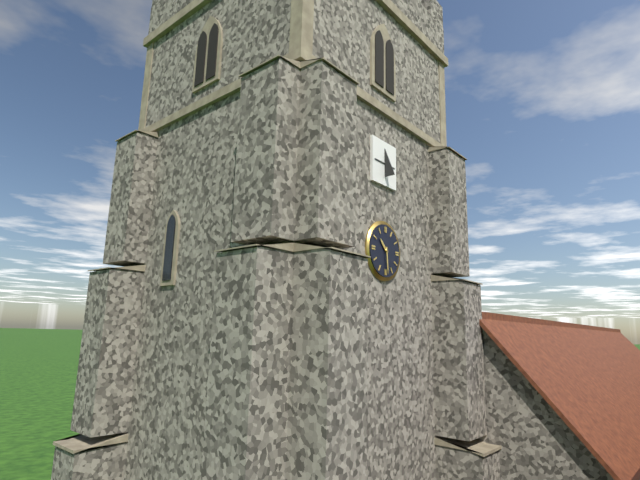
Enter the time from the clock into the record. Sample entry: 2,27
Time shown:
10,29
